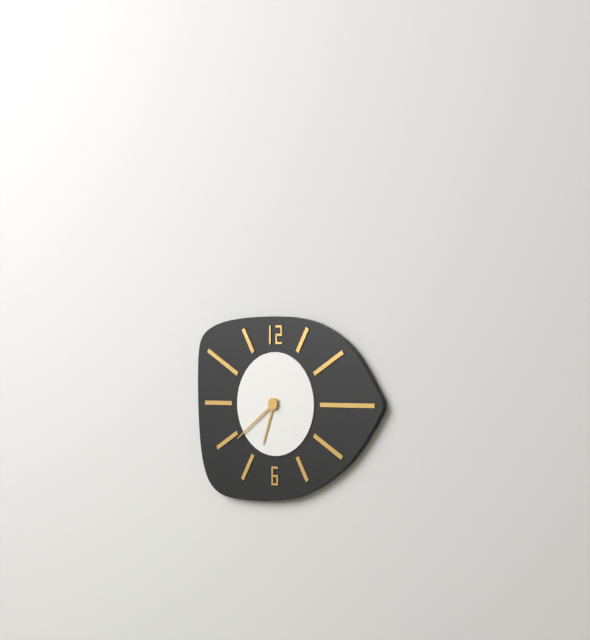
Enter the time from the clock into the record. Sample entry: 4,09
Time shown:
6,39
